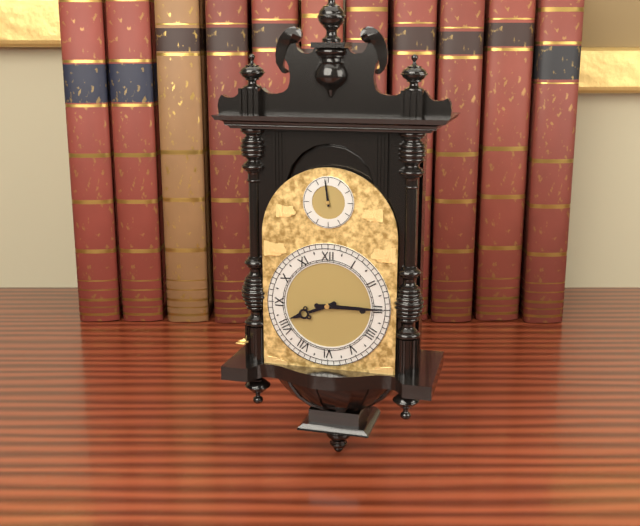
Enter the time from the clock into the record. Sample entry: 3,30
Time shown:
8,15
